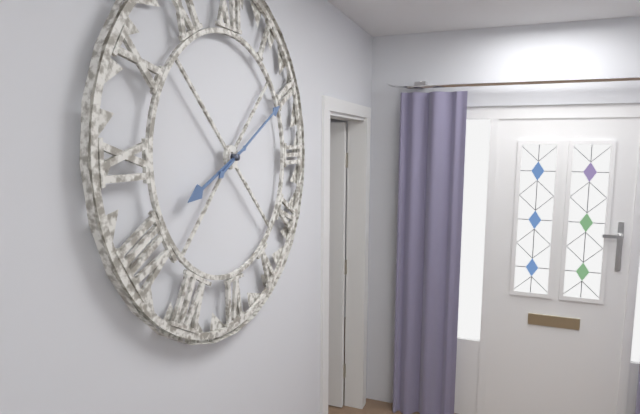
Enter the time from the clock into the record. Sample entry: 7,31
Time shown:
8,10
